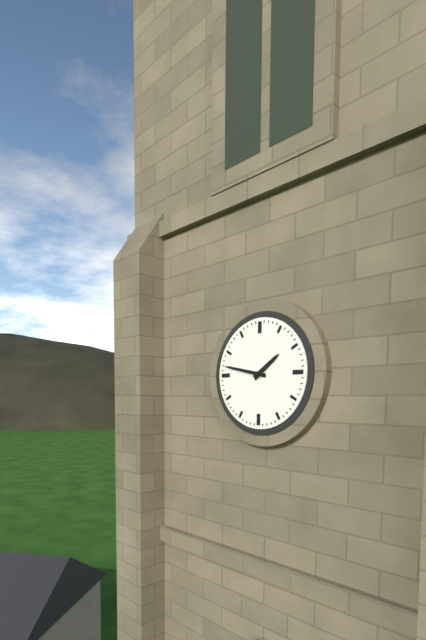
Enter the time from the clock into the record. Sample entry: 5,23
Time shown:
1,47
